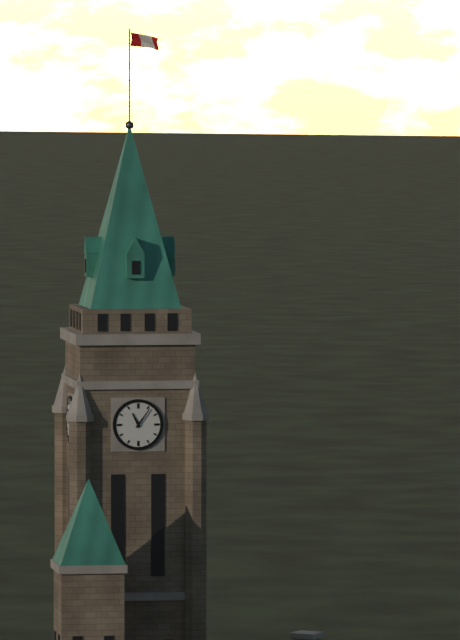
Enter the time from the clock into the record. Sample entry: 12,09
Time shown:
11,06
